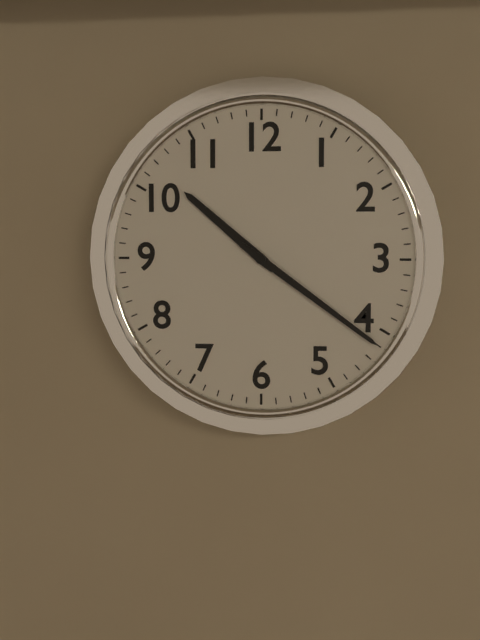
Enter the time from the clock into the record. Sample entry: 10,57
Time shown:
10,21
